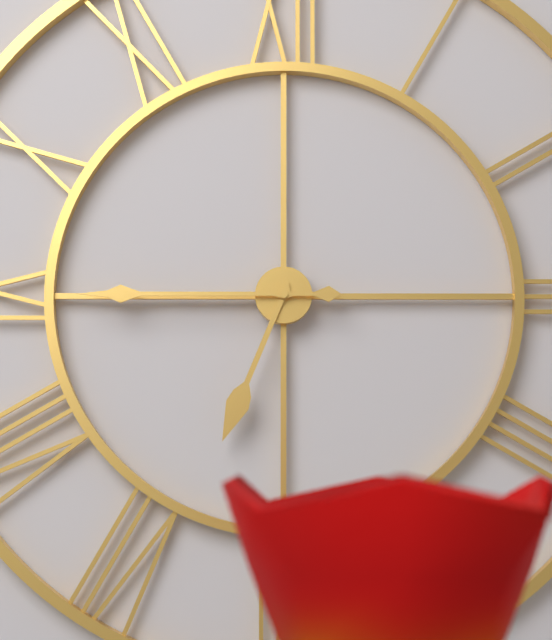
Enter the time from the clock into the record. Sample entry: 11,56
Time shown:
6,45
